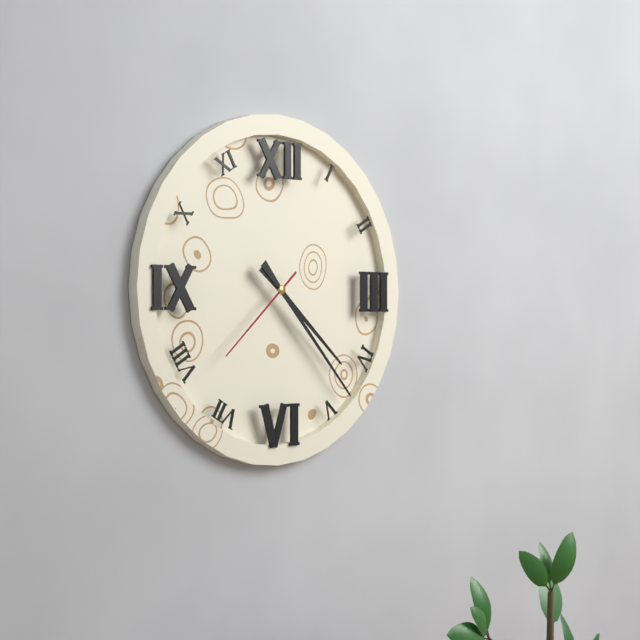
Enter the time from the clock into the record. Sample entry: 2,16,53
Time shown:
4,23,38
